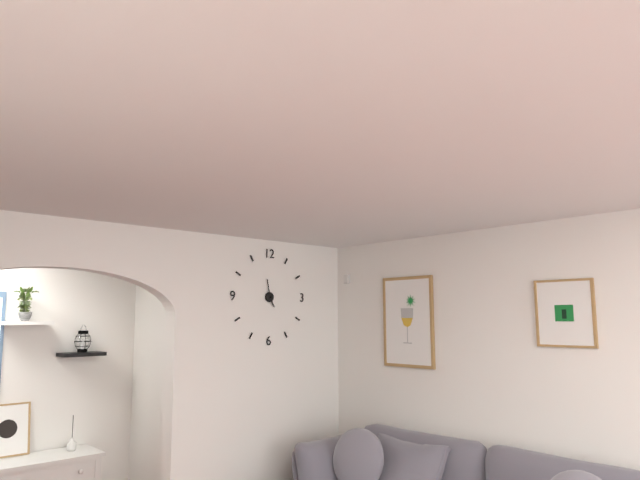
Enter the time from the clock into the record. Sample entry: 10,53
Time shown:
4,58
